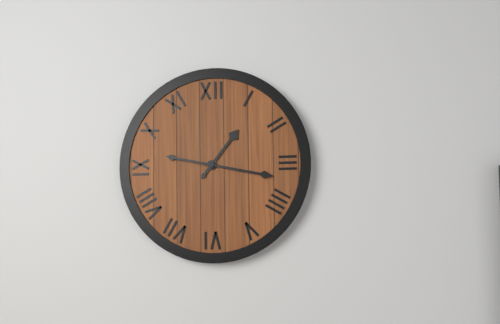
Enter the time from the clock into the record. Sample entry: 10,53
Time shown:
1,17
